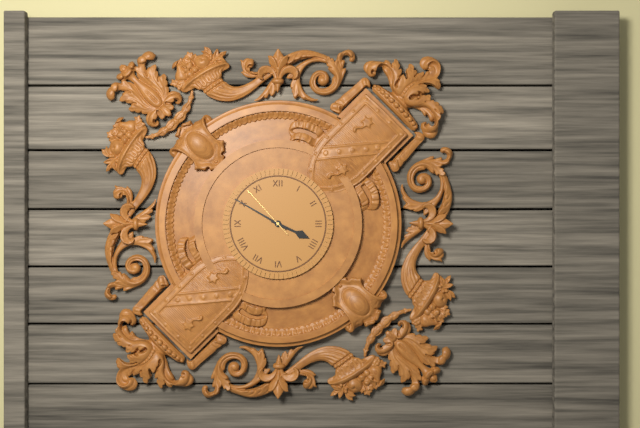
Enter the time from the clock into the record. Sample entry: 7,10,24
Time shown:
3,50,53
